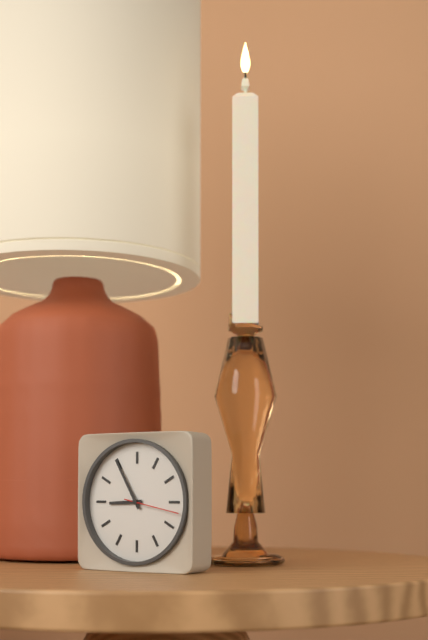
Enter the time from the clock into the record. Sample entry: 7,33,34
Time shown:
8,55,17
